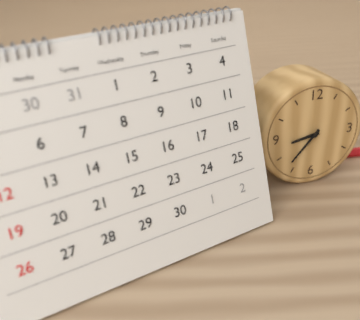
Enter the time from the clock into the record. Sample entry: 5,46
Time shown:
8,37
